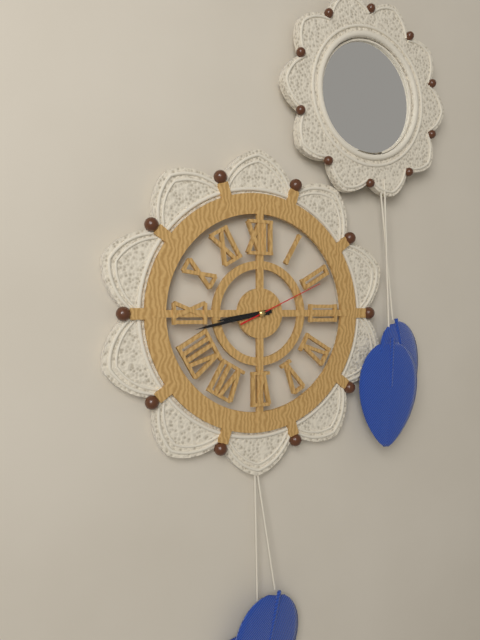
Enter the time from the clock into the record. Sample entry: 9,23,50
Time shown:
8,43,11
